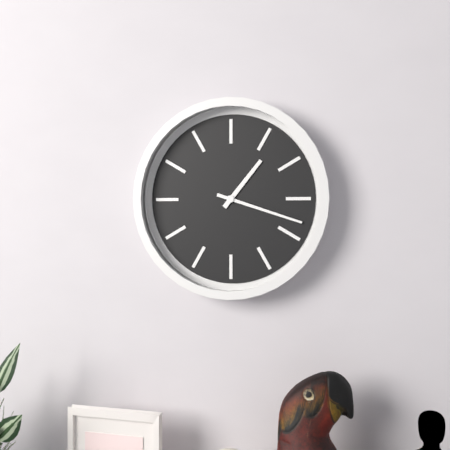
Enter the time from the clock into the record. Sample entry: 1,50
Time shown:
1,18
